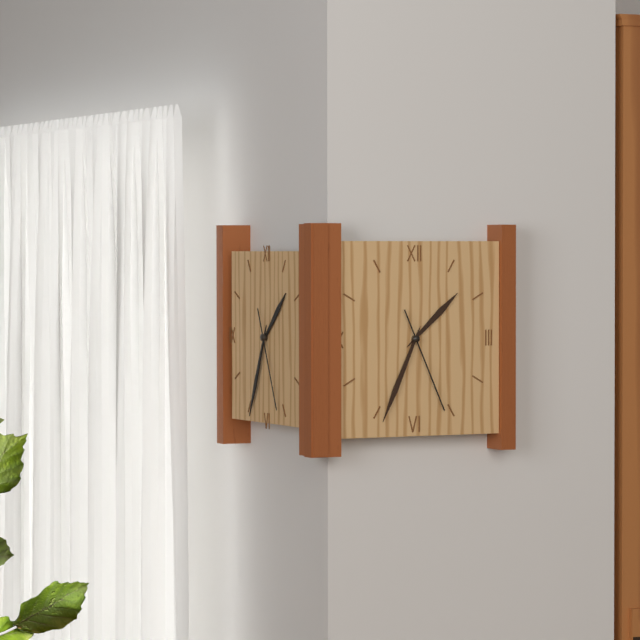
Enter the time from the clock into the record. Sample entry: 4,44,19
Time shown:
1,34,26
